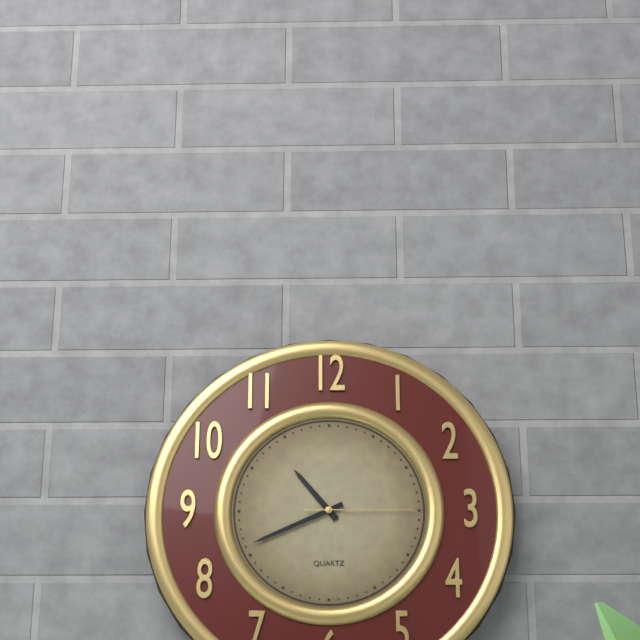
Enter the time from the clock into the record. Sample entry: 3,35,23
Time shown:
10,41,15
